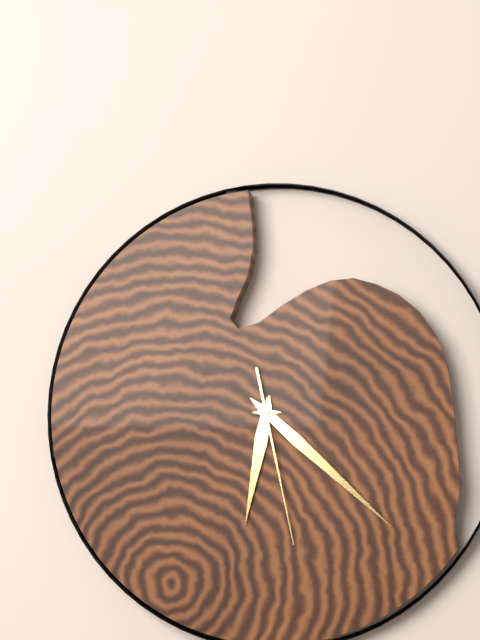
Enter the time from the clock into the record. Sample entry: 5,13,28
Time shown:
6,22,28
